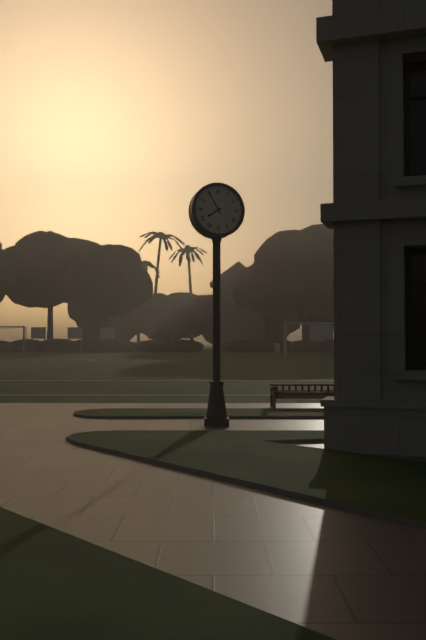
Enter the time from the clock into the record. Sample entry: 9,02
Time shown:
7,55
